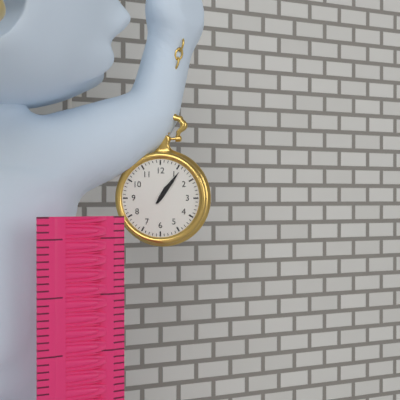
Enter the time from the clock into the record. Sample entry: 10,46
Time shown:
1,06
